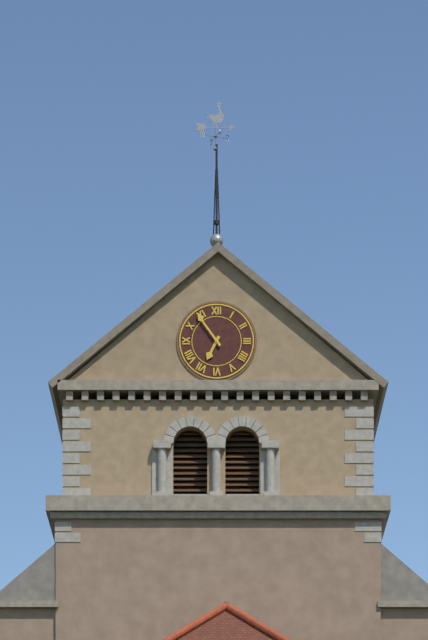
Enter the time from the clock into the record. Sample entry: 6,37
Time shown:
6,54
